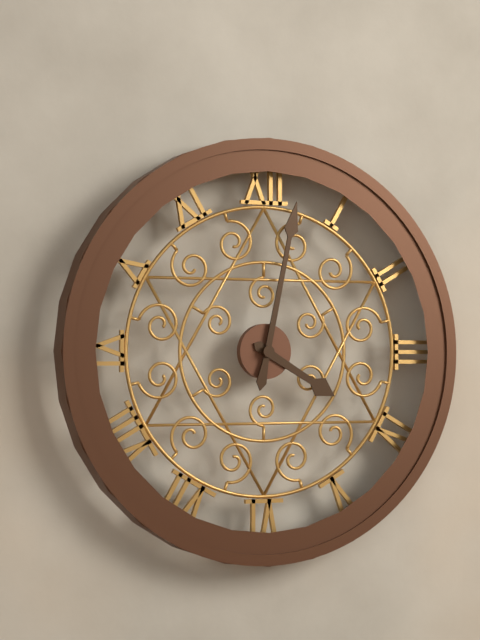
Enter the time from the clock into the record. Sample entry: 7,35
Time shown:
4,02
